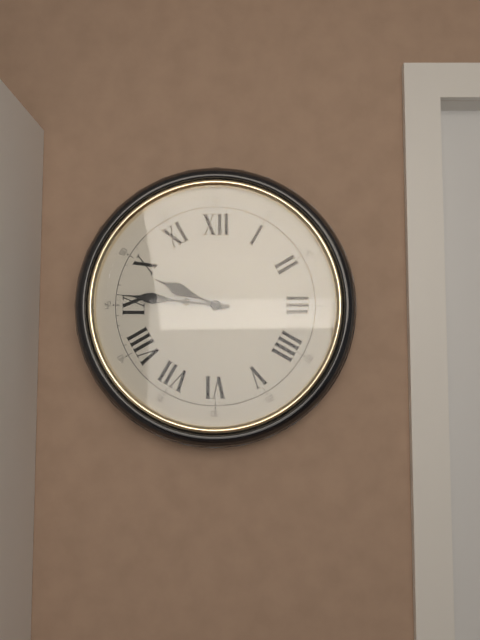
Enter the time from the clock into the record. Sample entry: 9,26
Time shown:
9,46
